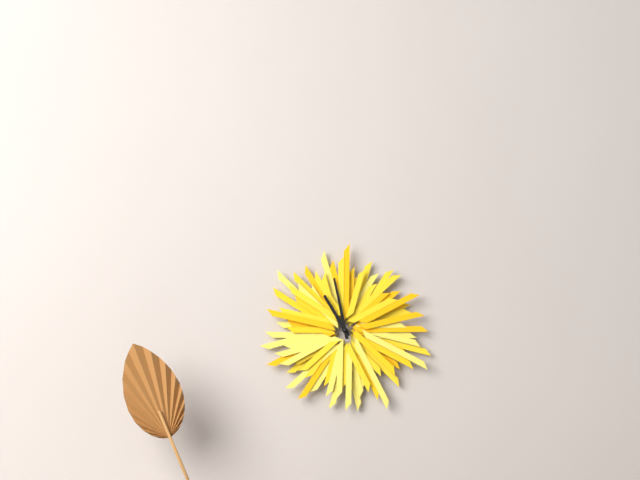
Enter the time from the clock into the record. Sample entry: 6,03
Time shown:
10,58
